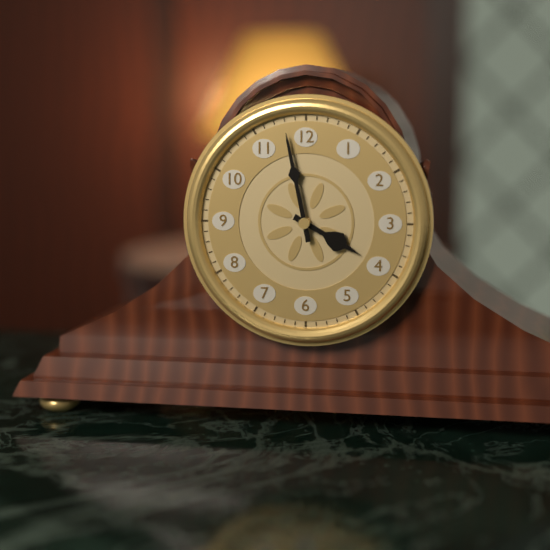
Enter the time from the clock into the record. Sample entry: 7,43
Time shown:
3,58
